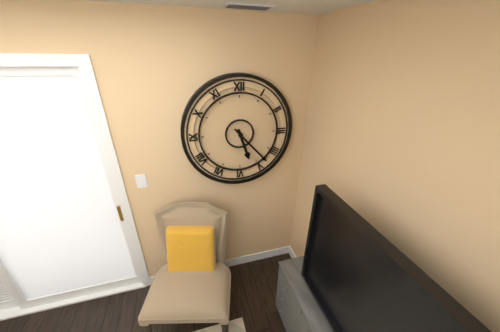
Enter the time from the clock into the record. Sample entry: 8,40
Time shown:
5,23
